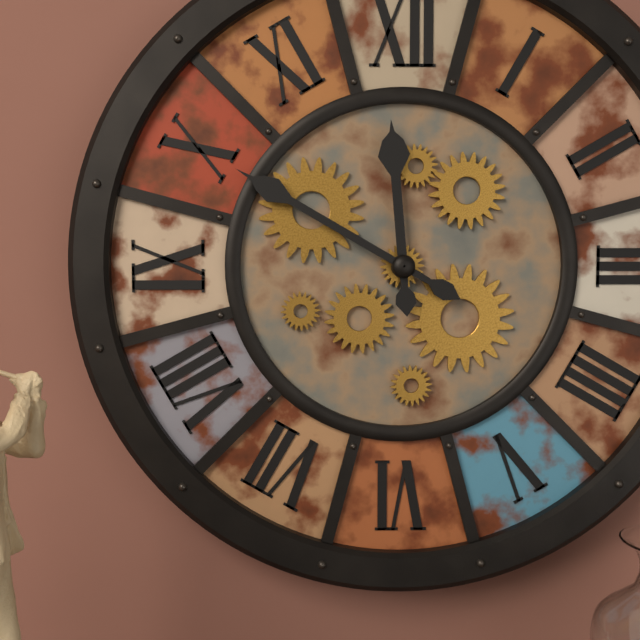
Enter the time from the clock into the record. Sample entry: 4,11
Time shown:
11,50
